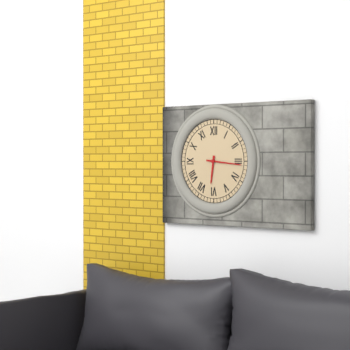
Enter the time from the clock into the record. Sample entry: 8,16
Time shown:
6,16
